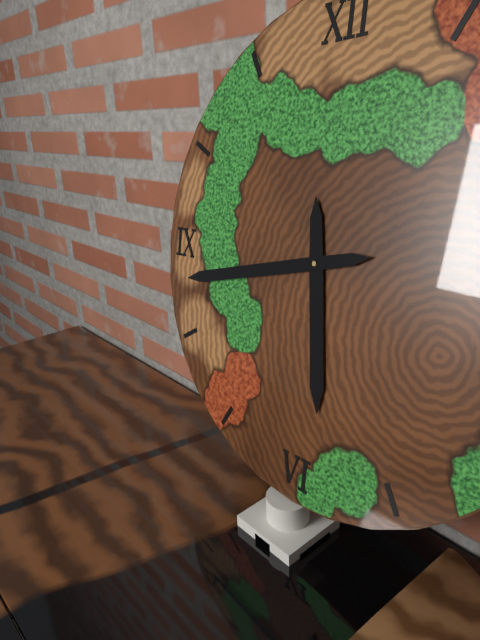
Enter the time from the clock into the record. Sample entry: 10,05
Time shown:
5,43
